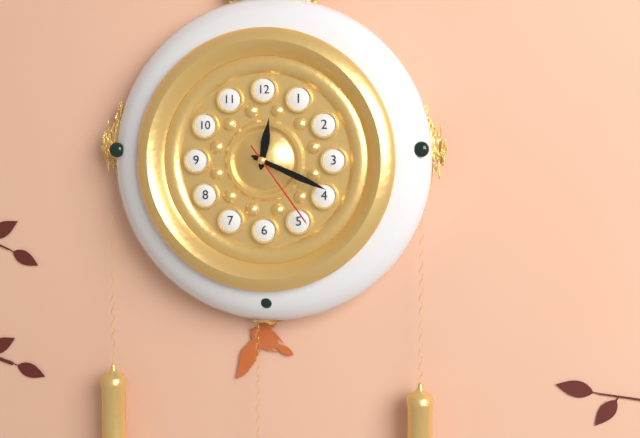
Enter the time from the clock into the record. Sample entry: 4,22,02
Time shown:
12,19,24
